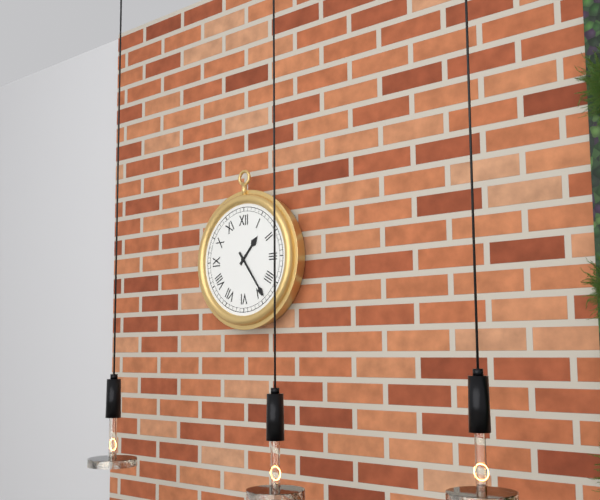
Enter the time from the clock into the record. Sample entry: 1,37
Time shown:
1,24
